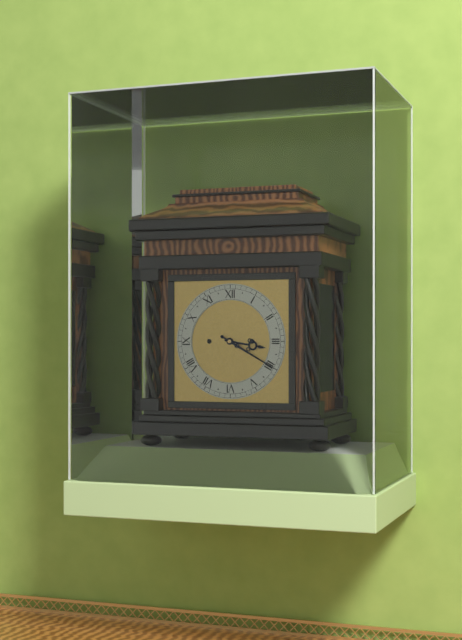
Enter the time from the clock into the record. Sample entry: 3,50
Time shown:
3,20
